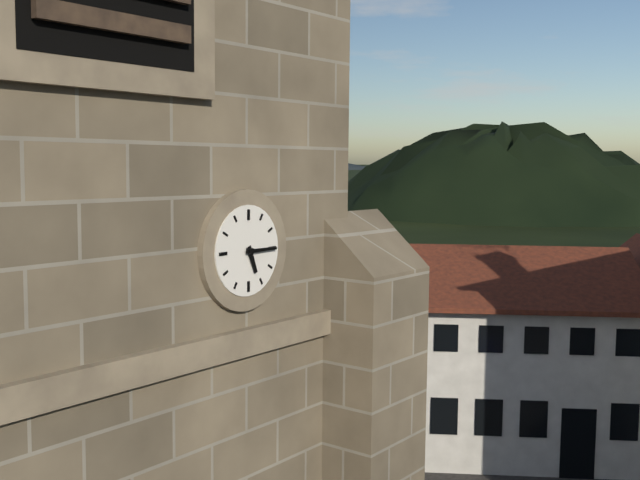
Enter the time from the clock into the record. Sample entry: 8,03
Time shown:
5,15
